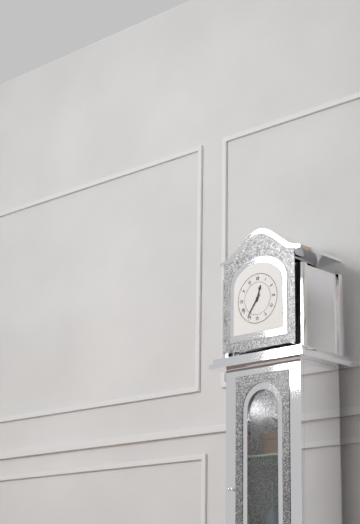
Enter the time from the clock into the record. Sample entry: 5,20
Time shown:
12,36
